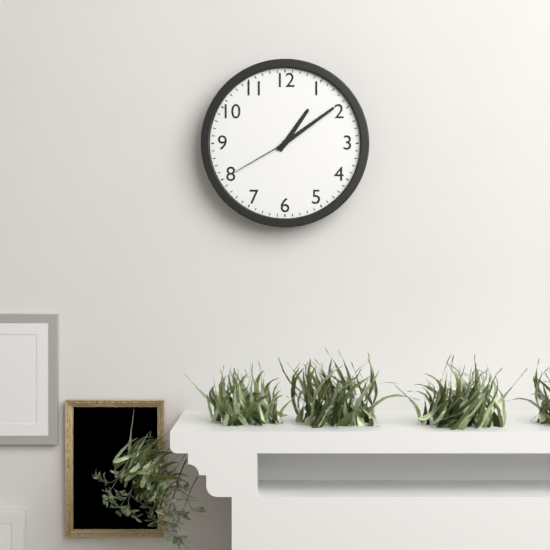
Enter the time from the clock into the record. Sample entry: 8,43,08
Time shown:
1,09,40
